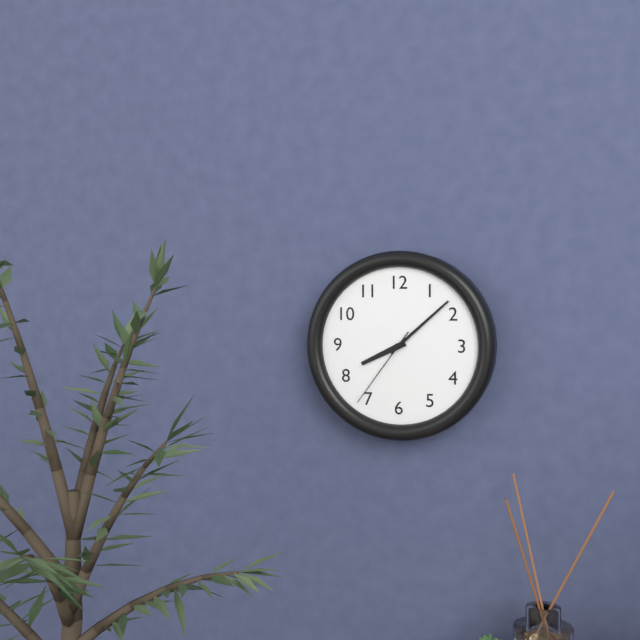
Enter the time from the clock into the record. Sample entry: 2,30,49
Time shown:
8,08,36
